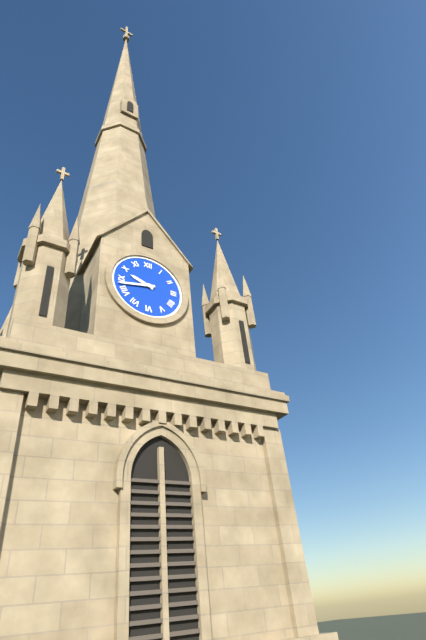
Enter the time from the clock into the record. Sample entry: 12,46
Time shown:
9,43
